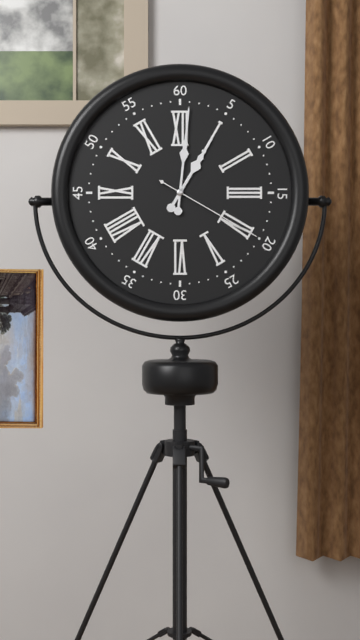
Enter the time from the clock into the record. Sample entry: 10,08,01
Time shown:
1,01,20
